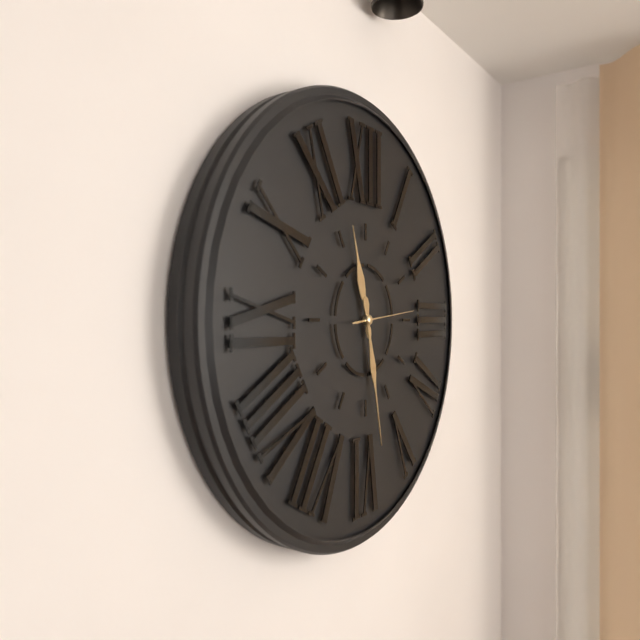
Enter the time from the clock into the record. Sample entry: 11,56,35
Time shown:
11,28,14
